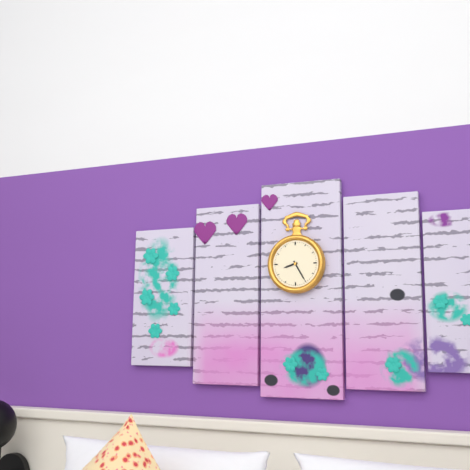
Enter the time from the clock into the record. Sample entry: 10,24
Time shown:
8,25
